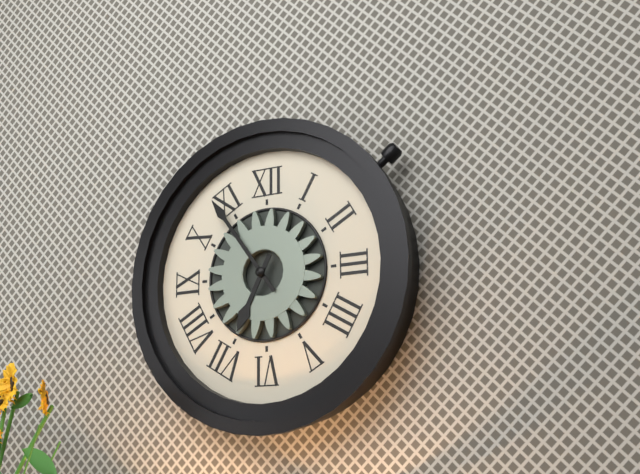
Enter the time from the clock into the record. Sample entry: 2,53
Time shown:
6,54
